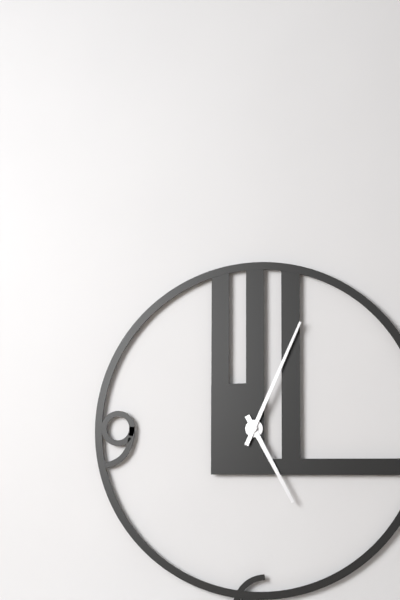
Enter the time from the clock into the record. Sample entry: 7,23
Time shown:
5,04
